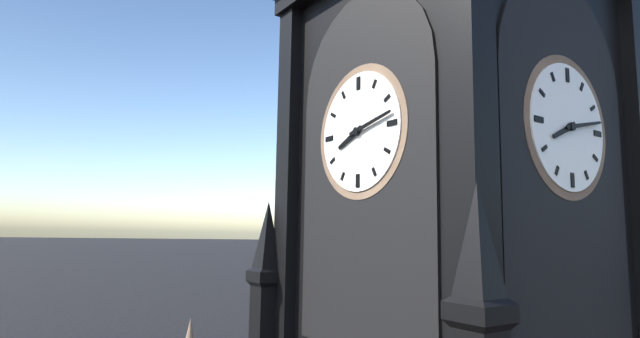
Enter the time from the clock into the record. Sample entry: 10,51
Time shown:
8,13
